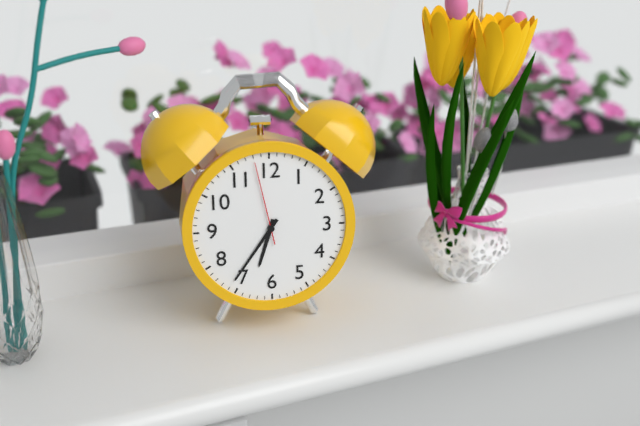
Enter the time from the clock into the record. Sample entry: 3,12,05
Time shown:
6,36,58
